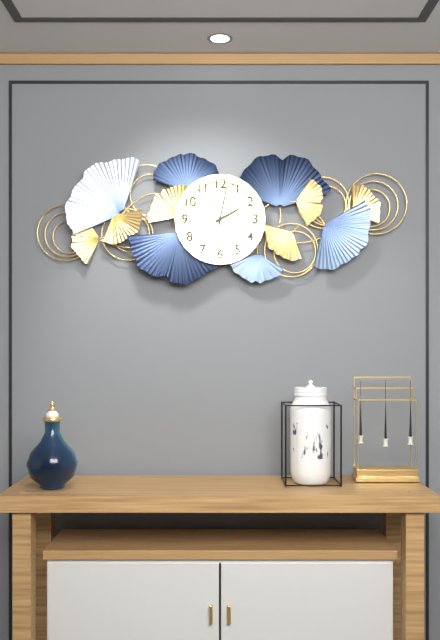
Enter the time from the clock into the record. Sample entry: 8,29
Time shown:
2,02
